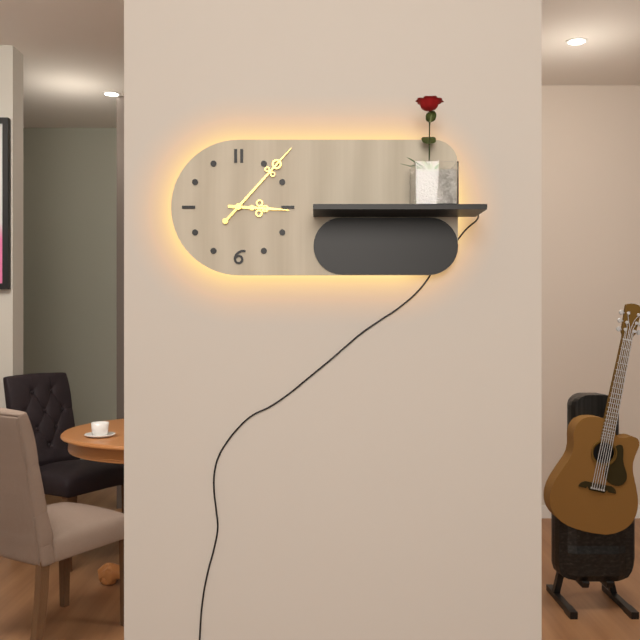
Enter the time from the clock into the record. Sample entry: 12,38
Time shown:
3,07
